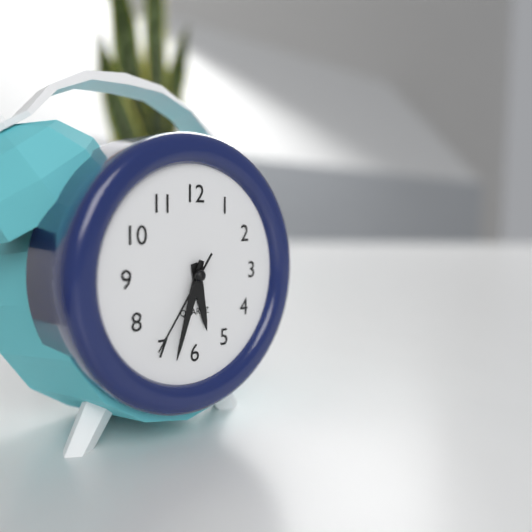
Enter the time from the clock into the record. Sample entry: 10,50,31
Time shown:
5,33,36
